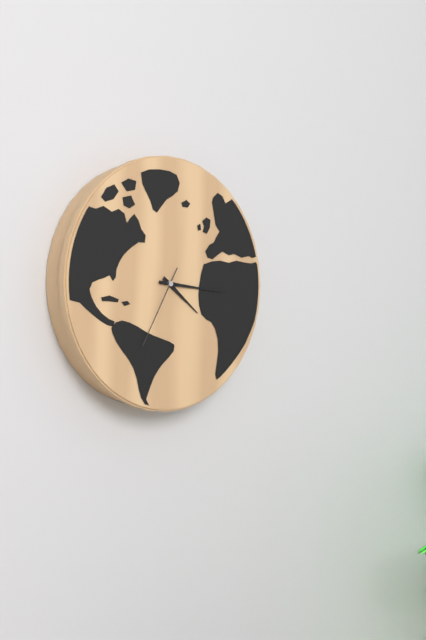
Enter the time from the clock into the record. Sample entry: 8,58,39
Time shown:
4,16,35
